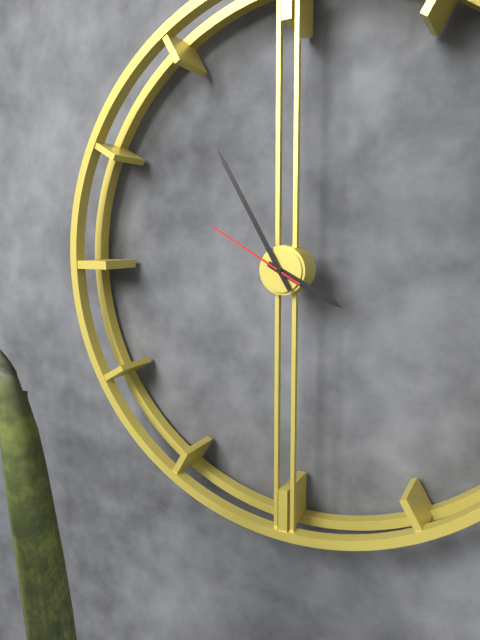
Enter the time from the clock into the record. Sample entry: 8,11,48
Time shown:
3,55,50
